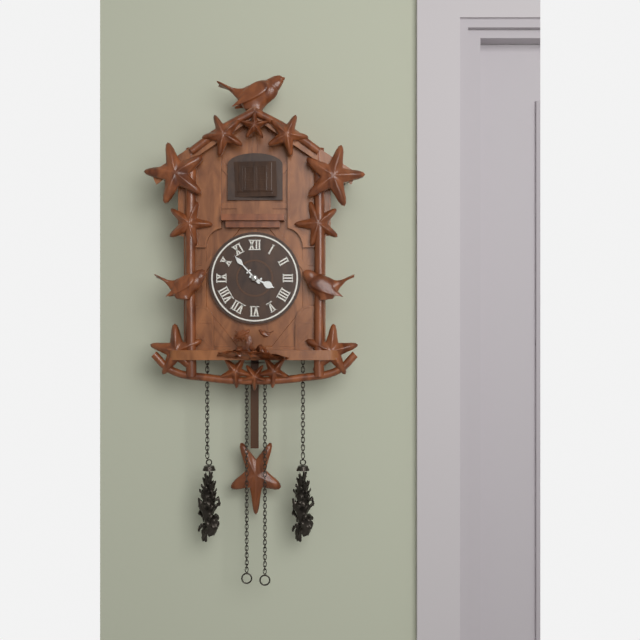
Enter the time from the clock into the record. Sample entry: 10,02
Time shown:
3,53
